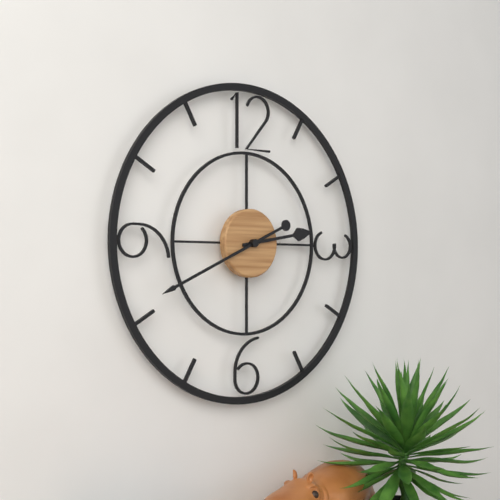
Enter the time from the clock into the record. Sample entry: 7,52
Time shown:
2,41
